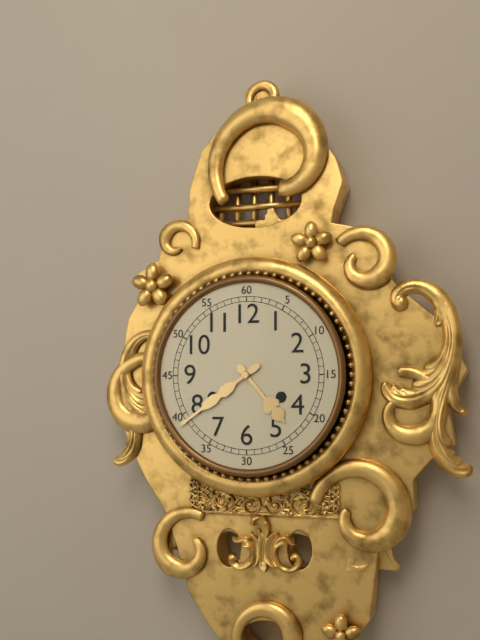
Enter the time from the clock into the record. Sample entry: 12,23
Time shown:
4,39
